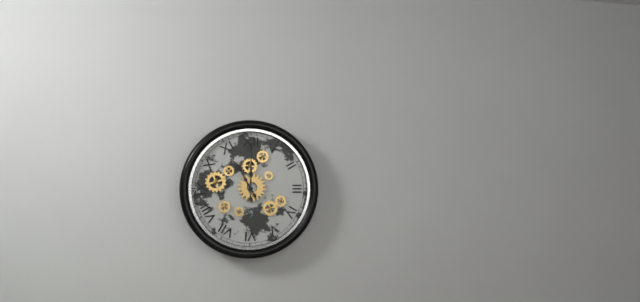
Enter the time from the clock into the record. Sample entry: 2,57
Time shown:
11,00
